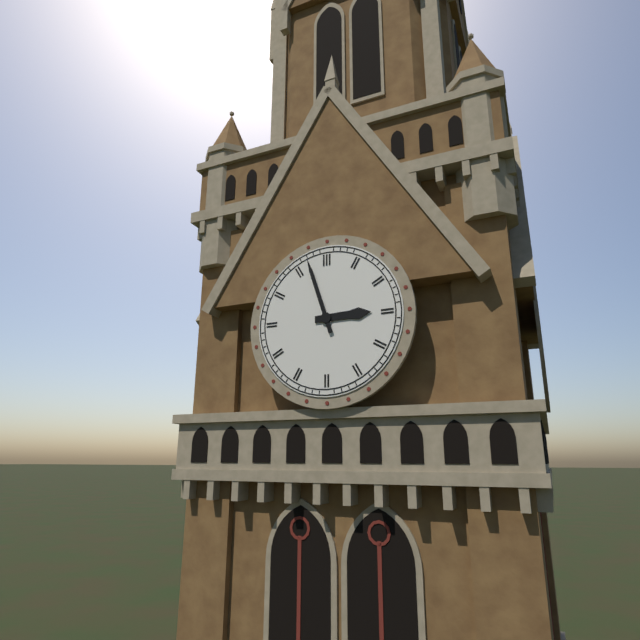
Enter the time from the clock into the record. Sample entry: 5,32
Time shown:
2,57
